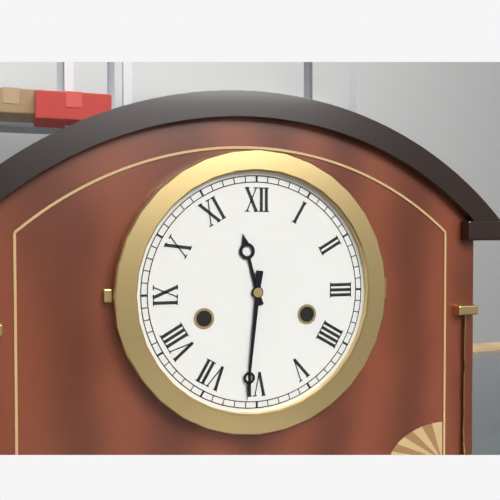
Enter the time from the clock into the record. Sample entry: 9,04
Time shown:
11,31
